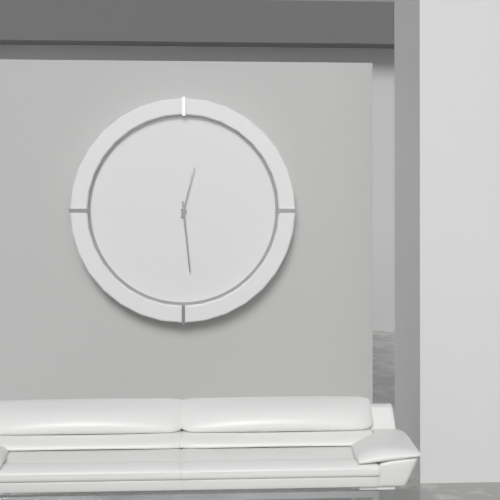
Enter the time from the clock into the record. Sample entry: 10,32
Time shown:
12,29
